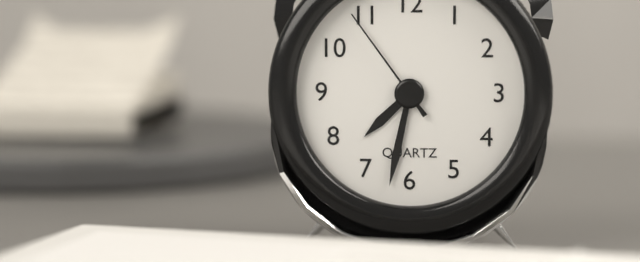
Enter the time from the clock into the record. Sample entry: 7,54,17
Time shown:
7,32,54
